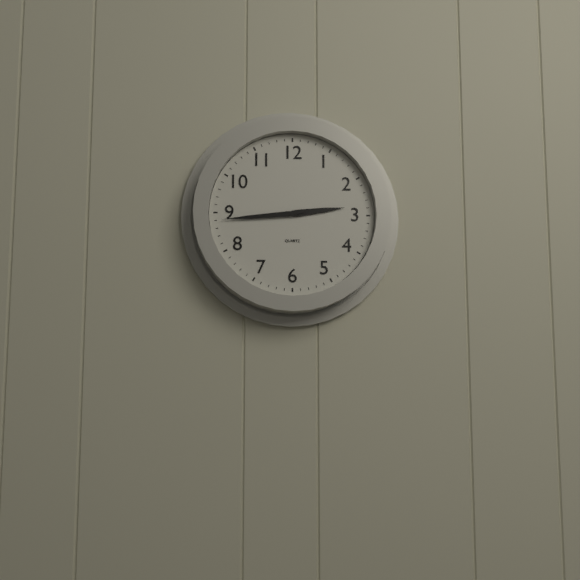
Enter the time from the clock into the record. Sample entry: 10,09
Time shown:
2,44
